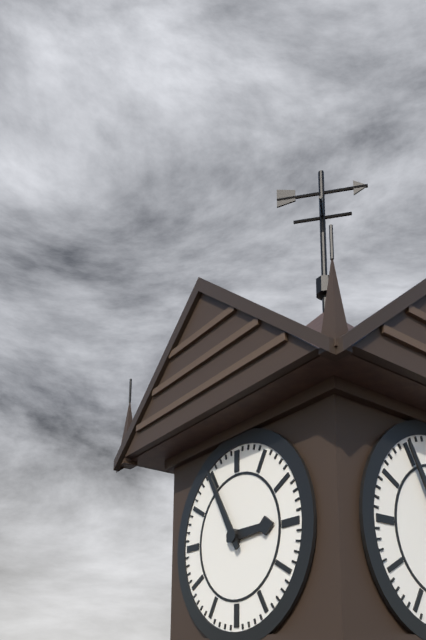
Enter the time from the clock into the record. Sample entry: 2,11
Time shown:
2,55
